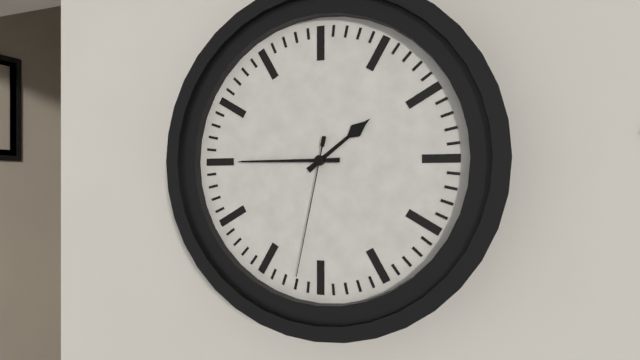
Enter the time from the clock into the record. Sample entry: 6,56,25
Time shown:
1,45,32
